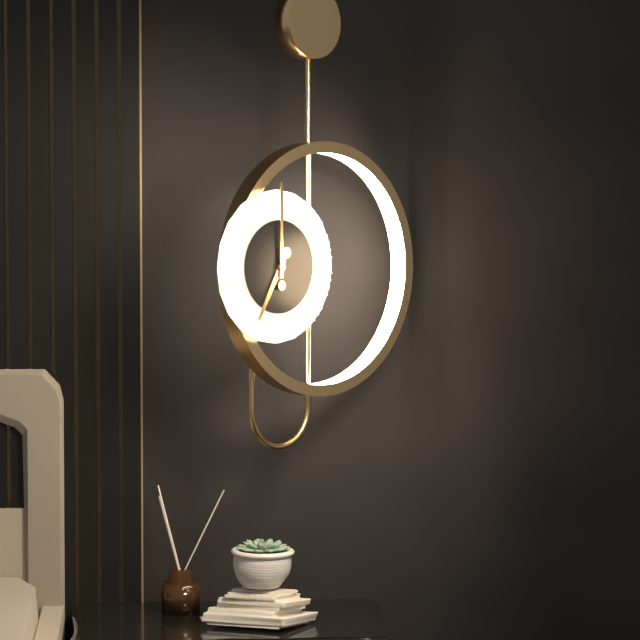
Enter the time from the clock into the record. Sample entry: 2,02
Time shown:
7,00
